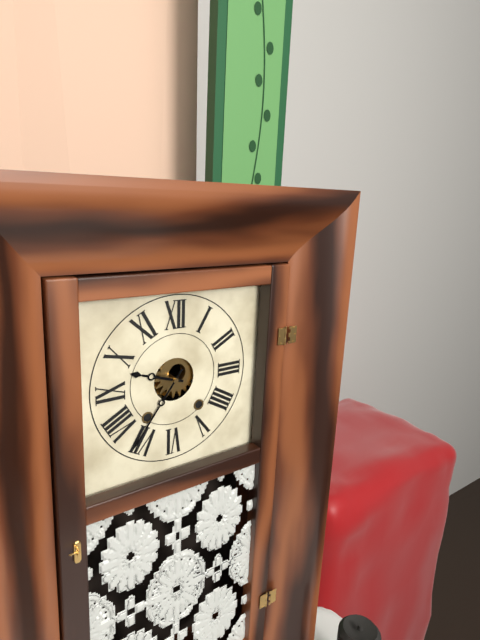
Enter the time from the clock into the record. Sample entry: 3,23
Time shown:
9,36
